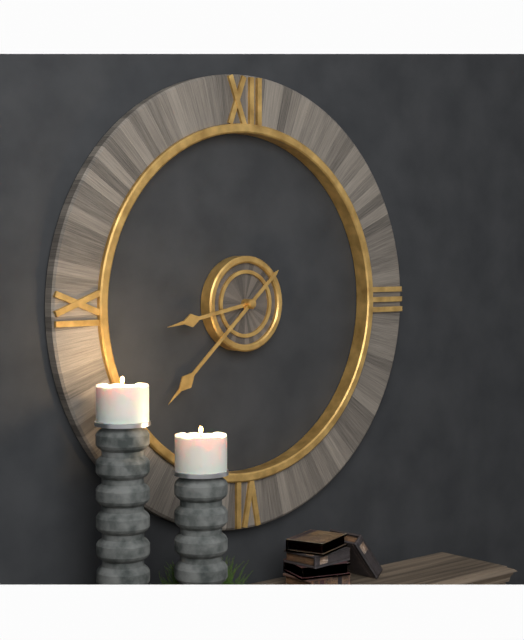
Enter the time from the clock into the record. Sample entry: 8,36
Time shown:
8,38
